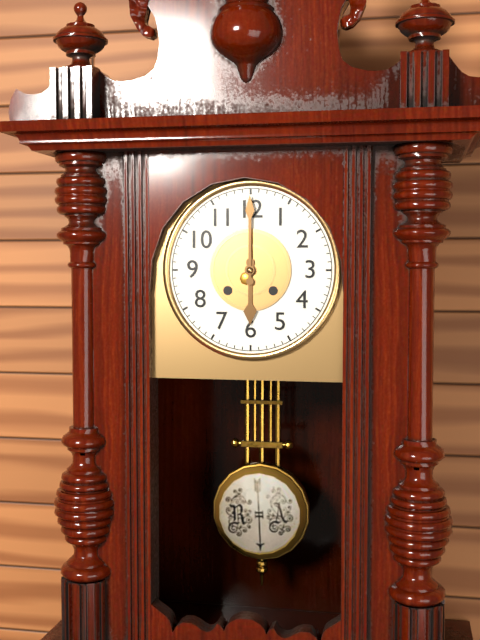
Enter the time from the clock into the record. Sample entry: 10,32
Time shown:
6,00
